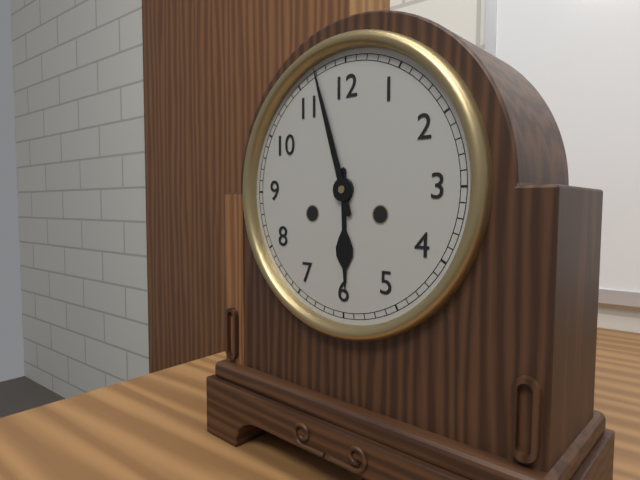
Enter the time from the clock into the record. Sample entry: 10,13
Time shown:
5,57
